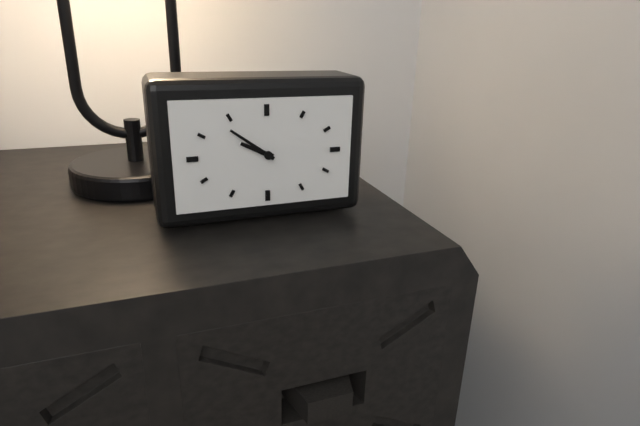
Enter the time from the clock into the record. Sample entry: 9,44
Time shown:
9,51
